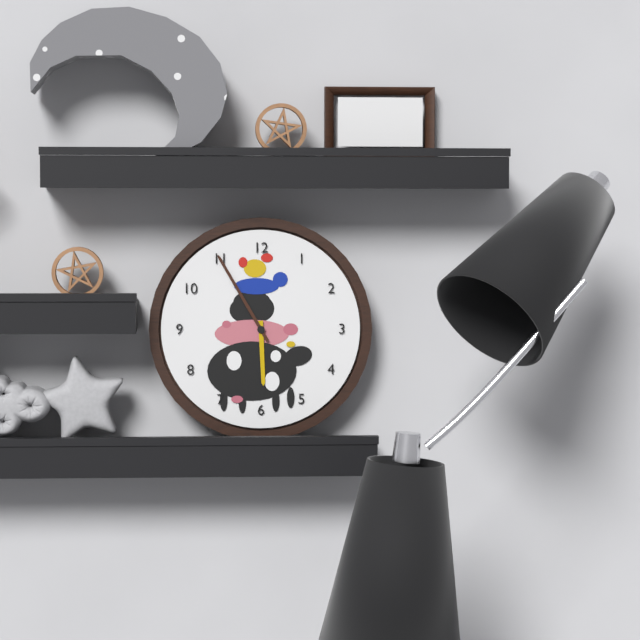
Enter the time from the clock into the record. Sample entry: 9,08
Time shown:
5,55
